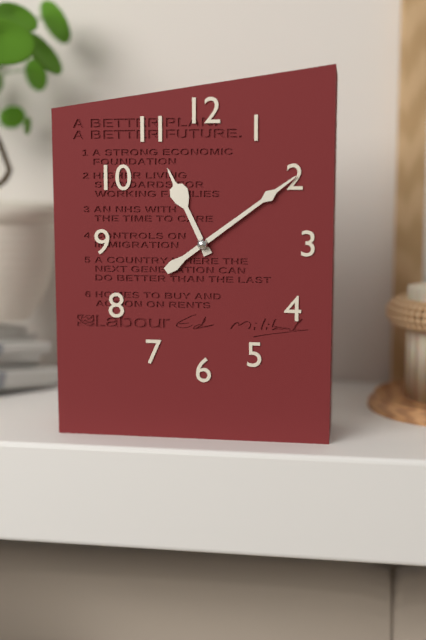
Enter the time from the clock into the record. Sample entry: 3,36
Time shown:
11,09
